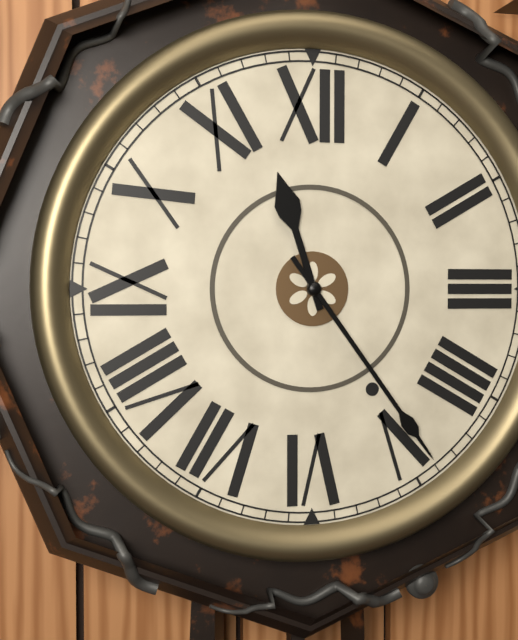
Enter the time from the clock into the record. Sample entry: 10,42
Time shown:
11,24
